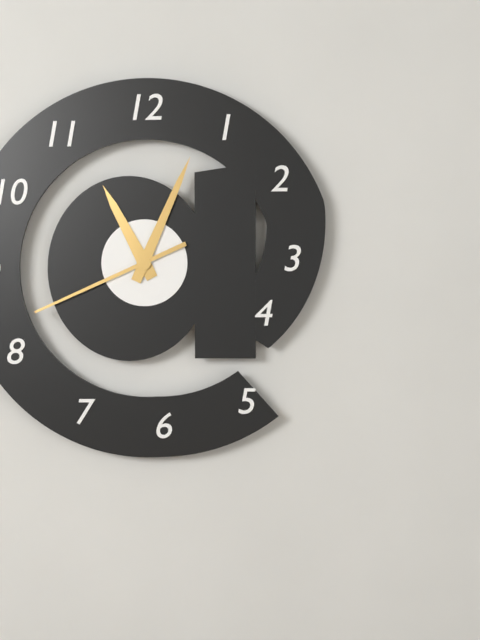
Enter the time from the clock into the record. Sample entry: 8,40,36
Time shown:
11,04,41
